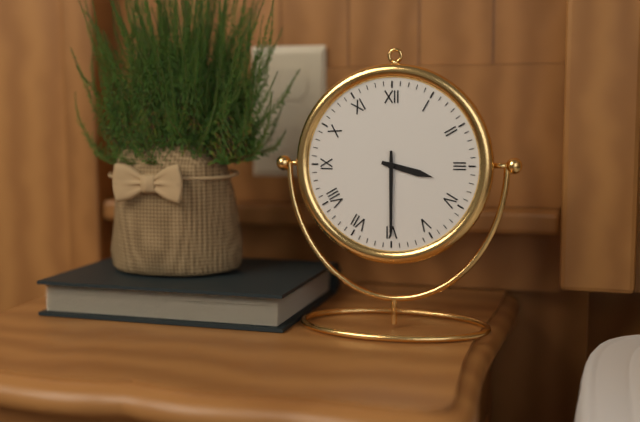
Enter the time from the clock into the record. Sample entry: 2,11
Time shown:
3,30
